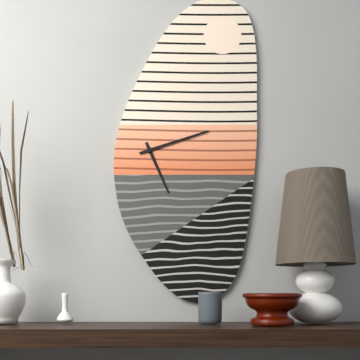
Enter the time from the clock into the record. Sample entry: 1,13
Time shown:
5,12
